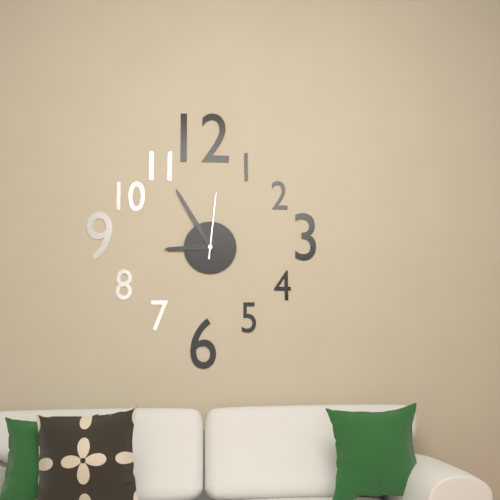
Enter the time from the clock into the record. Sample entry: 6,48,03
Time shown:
8,55,01
